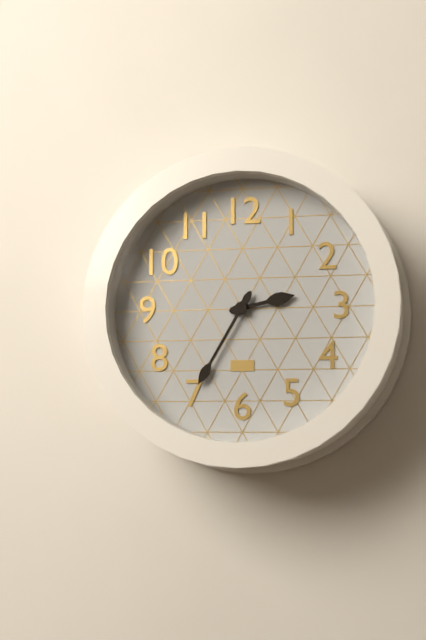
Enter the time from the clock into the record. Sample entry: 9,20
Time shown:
2,35
